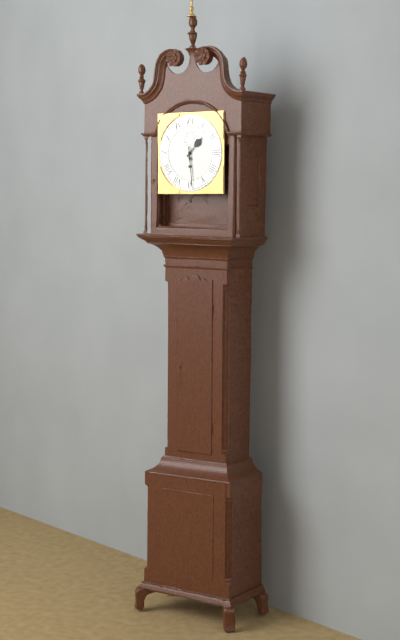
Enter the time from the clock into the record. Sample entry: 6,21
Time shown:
1,29
